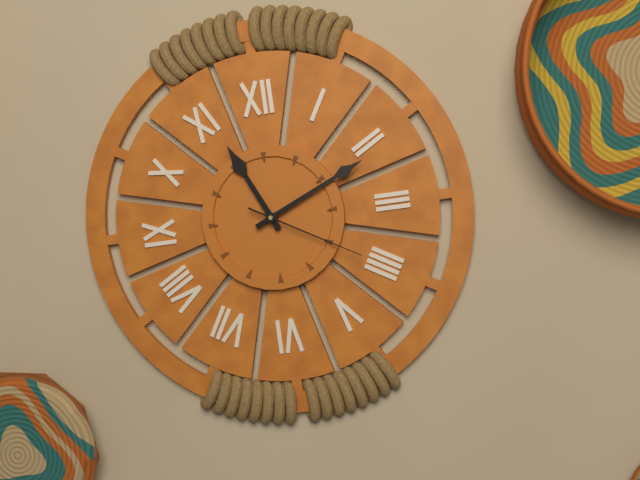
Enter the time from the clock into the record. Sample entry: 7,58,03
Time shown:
11,11,20
